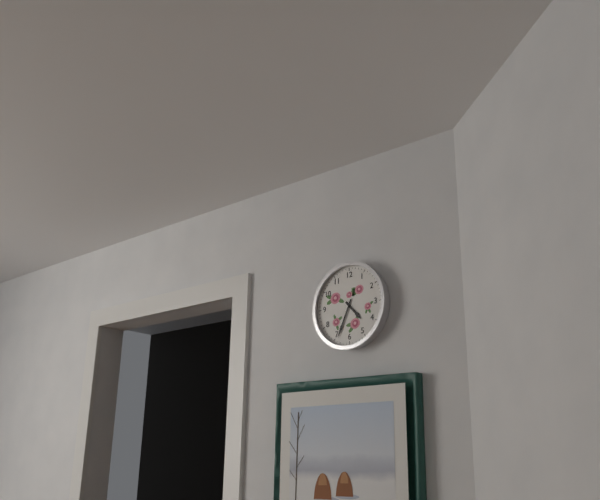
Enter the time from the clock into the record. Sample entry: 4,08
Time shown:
4,34
